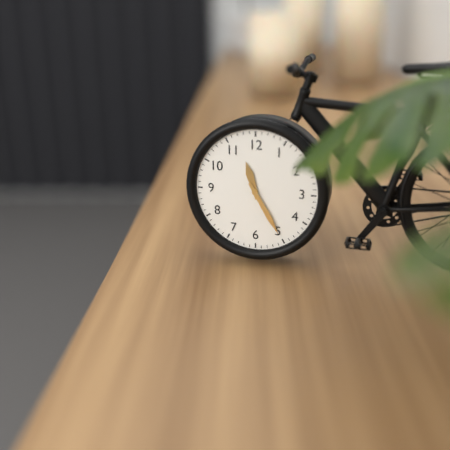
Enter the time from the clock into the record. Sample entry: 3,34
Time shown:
11,25
